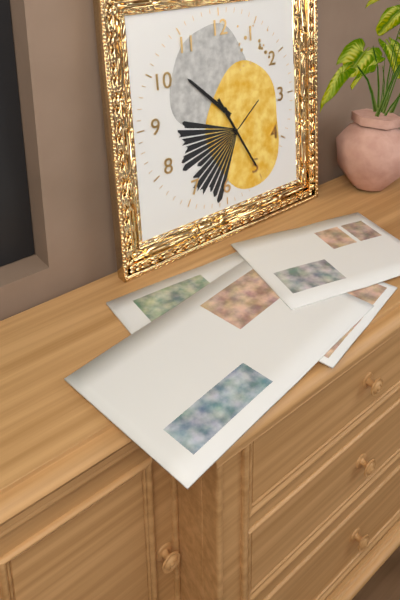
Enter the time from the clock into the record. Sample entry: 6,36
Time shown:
10,25
